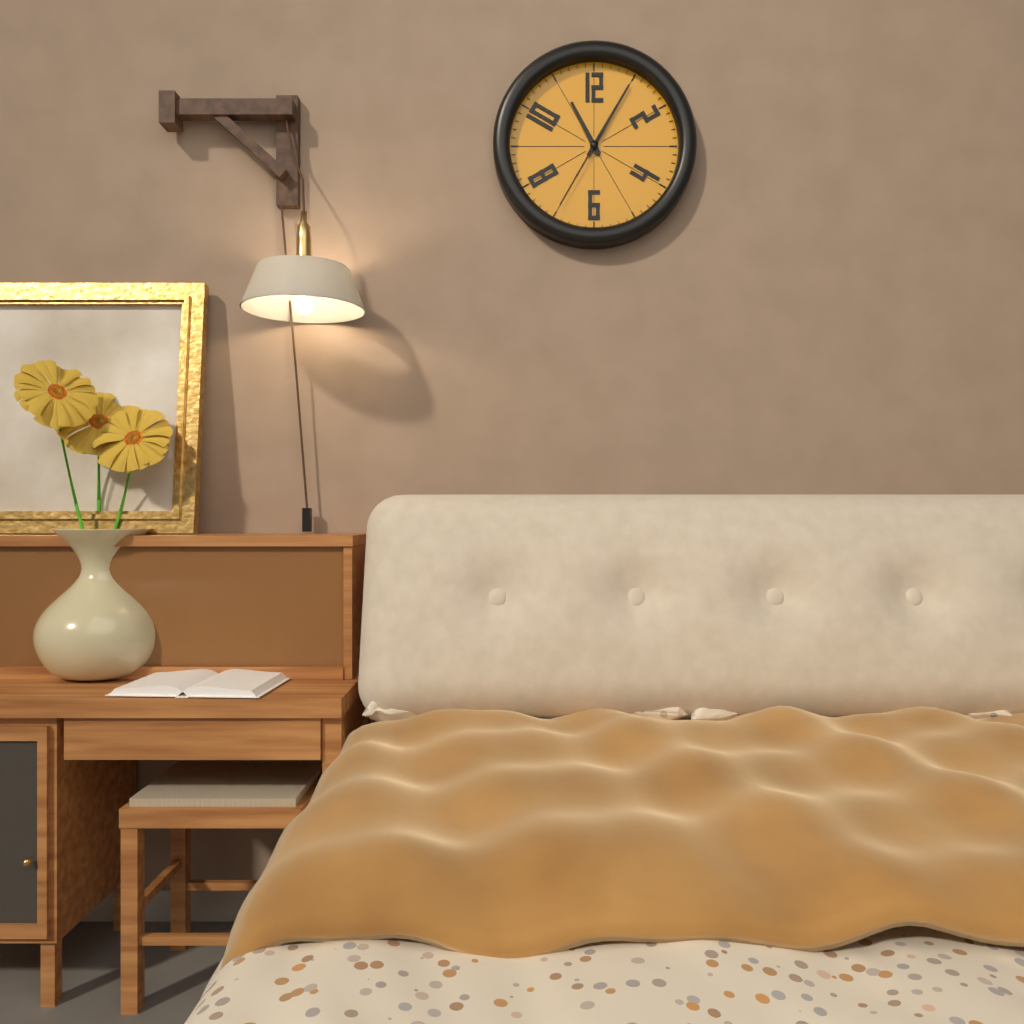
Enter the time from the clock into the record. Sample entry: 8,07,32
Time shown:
11,05,35
